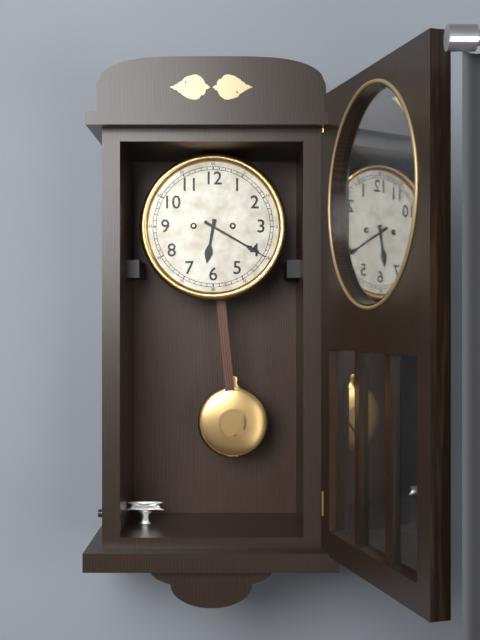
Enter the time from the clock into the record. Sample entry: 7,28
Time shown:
6,20
